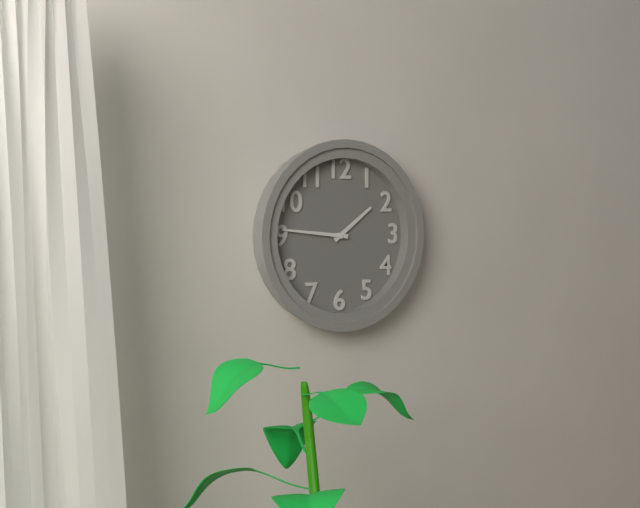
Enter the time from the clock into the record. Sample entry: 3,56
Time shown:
1,46
